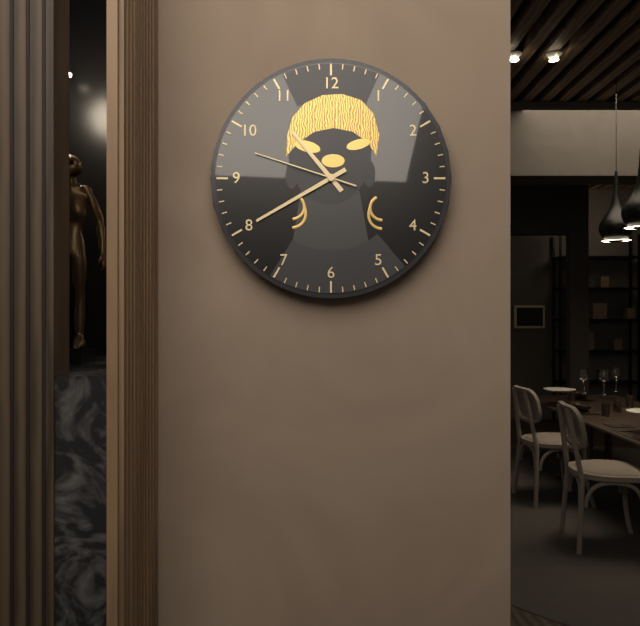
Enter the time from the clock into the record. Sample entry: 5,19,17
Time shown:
10,40,48
